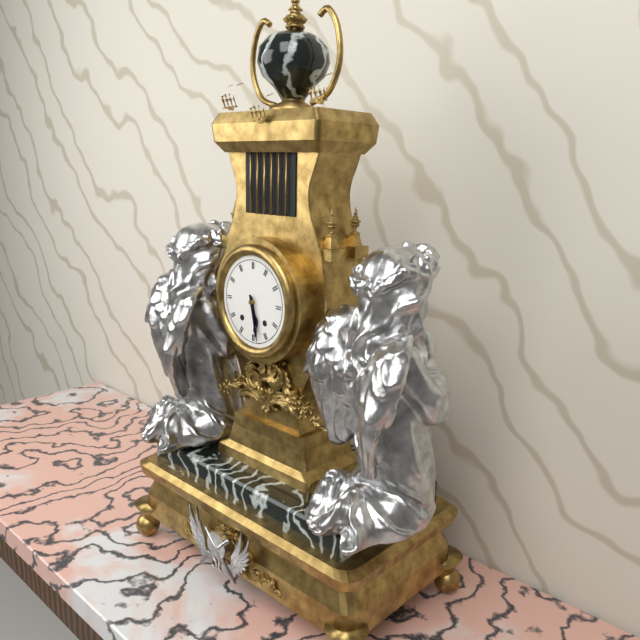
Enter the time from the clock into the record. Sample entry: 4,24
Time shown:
5,28
